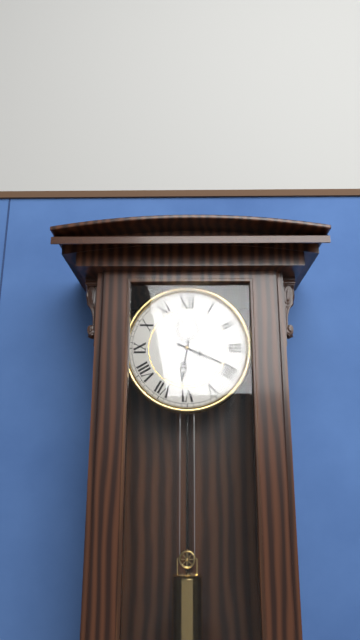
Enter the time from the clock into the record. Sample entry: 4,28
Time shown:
6,19
